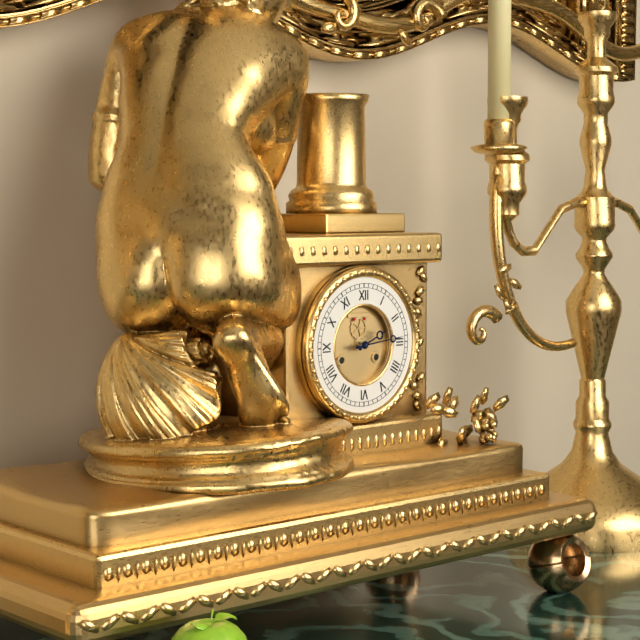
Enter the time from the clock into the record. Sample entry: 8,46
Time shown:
2,14
